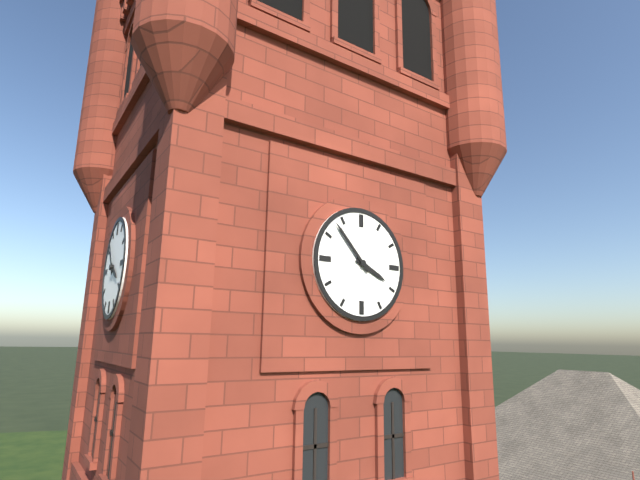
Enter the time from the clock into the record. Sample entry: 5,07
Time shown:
3,53
